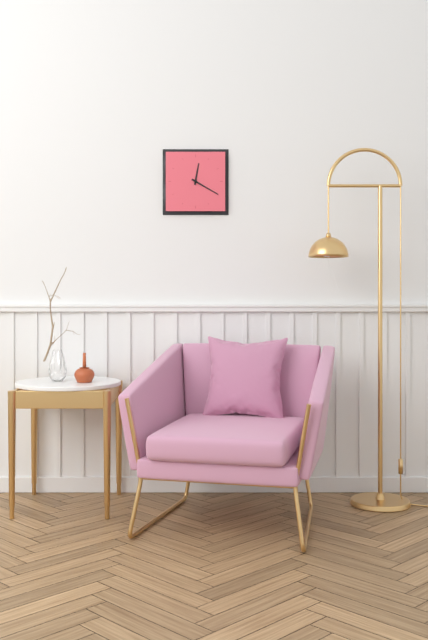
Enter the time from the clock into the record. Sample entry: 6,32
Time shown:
12,20
